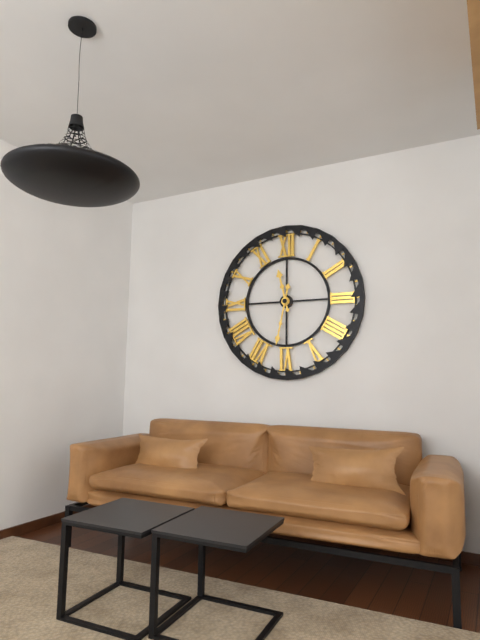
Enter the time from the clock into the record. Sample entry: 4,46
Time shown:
11,32
